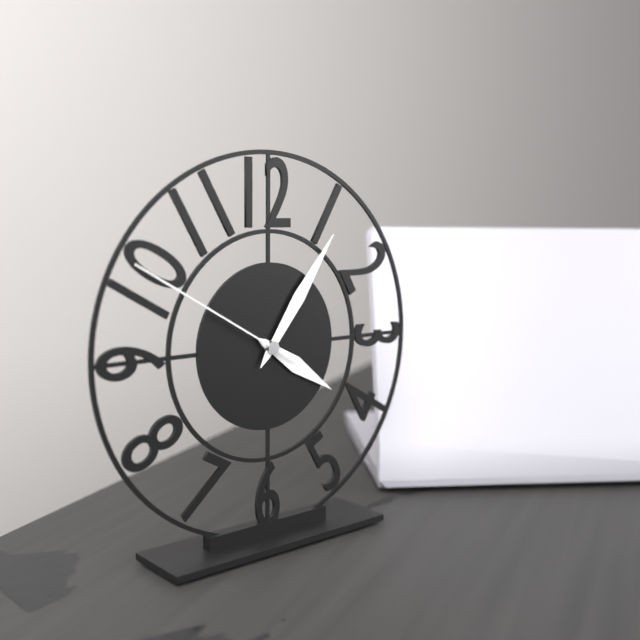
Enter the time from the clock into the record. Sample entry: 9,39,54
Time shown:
4,06,50
